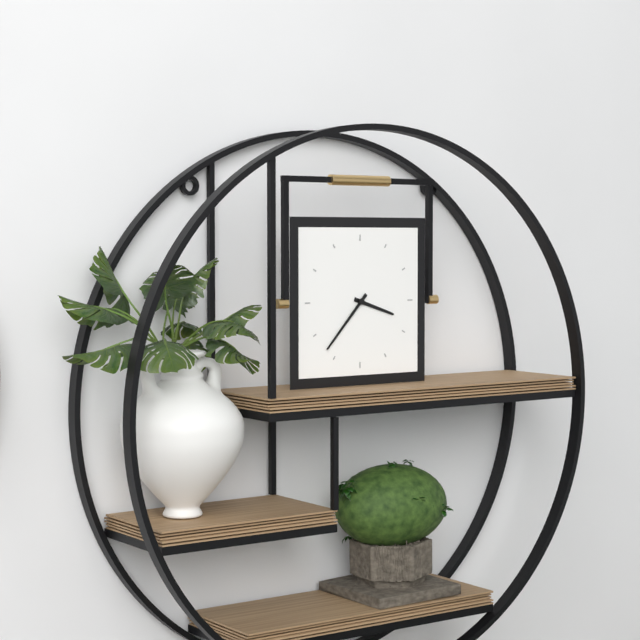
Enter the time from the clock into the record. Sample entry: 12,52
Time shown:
3,37
